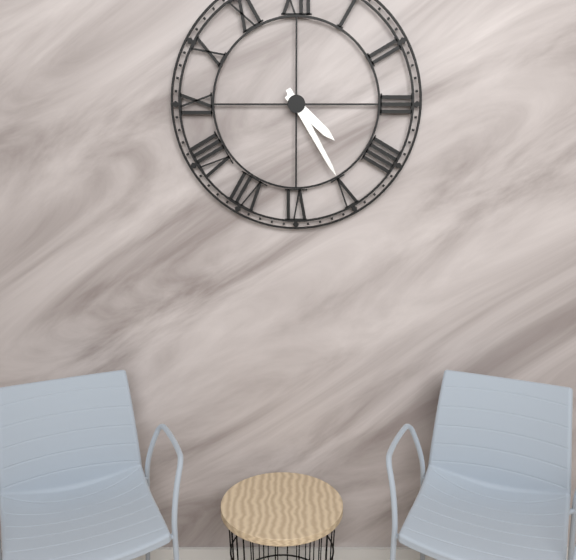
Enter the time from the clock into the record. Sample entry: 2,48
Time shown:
4,25
